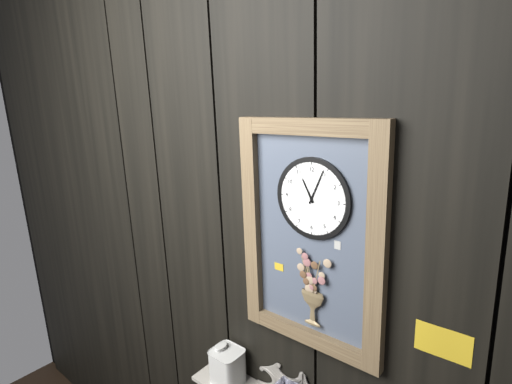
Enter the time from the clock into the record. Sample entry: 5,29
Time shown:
11,04
